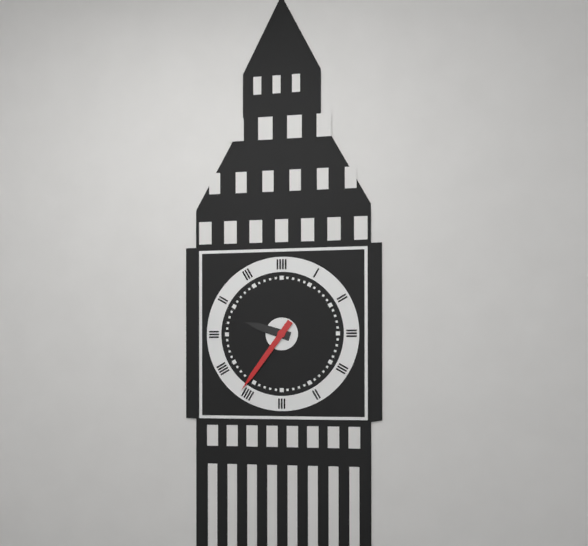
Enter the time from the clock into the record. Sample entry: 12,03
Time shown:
9,36
